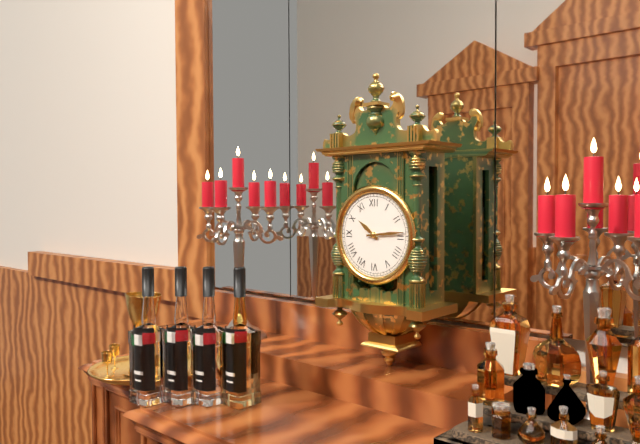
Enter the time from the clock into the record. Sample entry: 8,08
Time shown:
10,14
